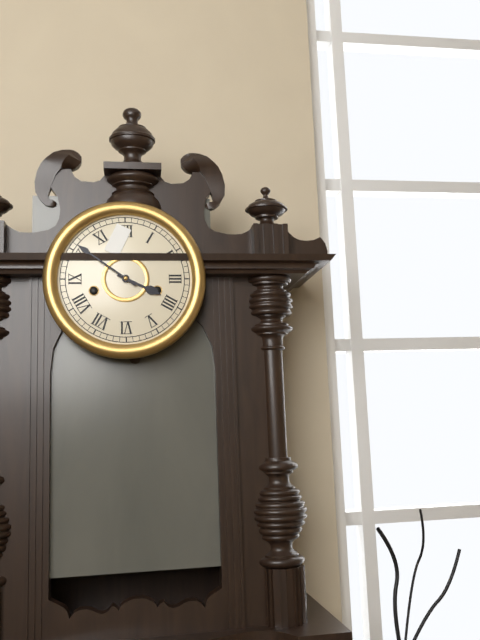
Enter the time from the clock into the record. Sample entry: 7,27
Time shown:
3,51
